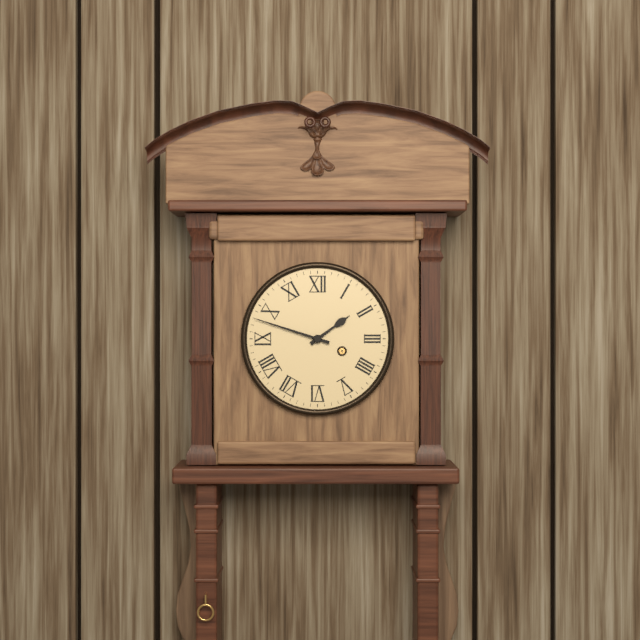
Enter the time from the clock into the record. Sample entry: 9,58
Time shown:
1,48
